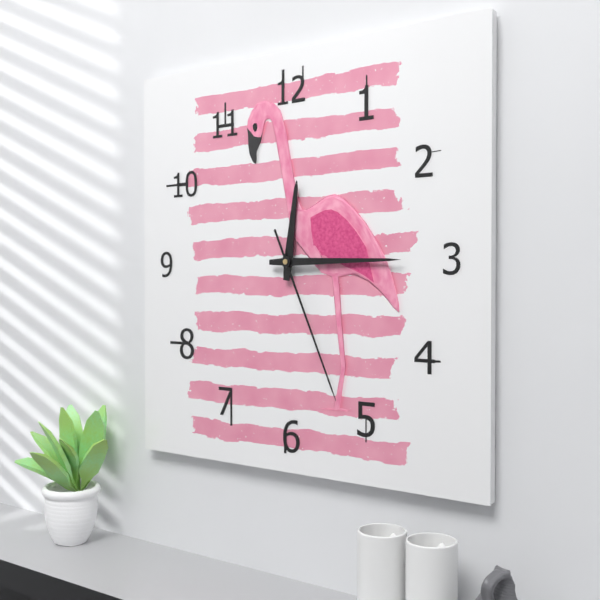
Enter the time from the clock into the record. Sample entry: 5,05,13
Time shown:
12,15,26
